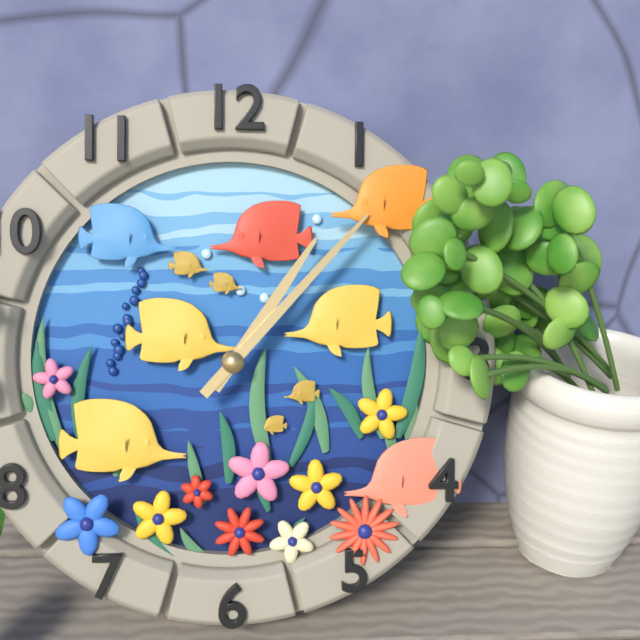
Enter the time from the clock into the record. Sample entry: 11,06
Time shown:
1,07
